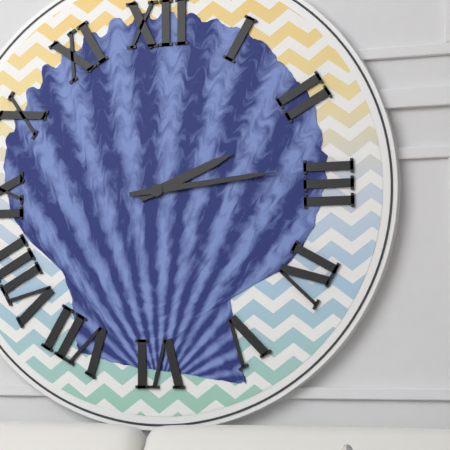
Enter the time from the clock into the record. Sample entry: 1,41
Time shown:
2,14
